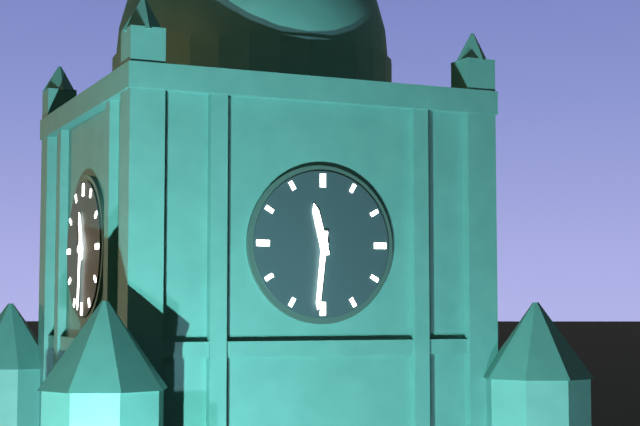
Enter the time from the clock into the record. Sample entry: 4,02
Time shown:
11,31
